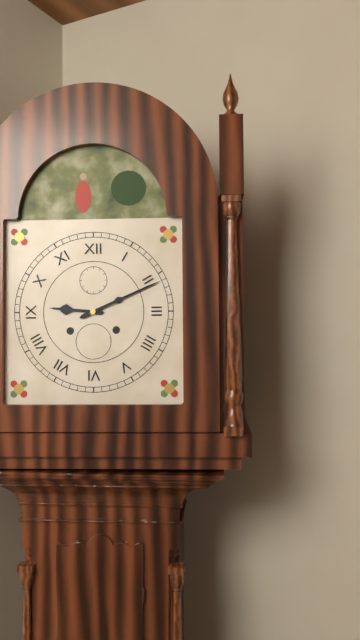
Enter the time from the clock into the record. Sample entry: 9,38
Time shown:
9,11
